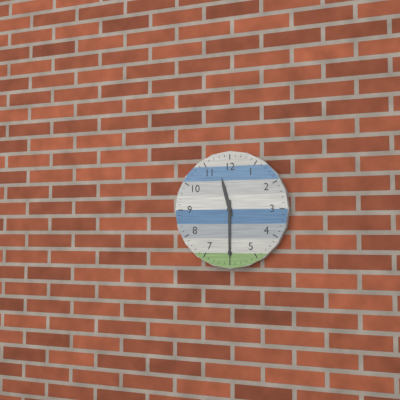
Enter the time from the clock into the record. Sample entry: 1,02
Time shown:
11,30
